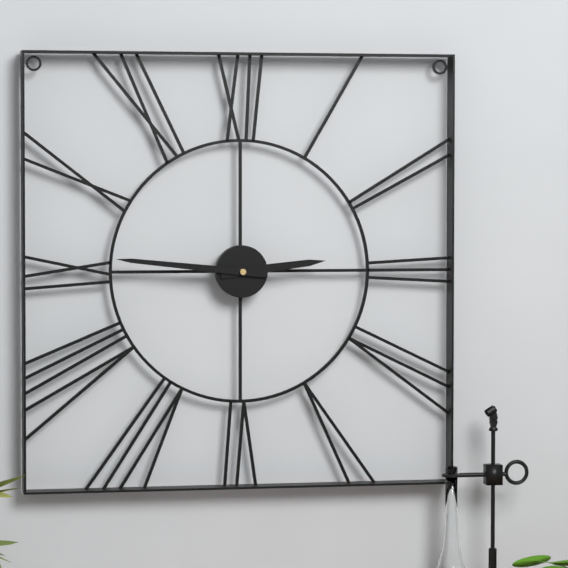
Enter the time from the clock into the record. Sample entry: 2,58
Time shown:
2,46
